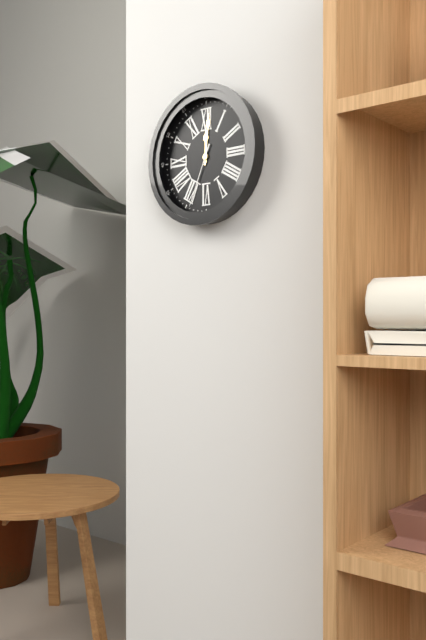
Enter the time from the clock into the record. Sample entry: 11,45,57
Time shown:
12,01,34
